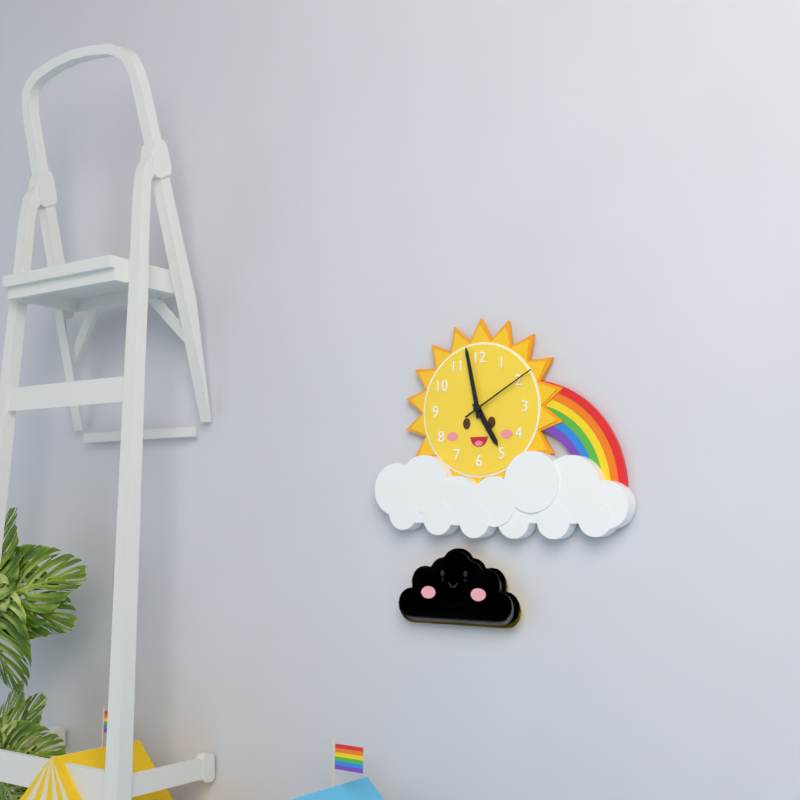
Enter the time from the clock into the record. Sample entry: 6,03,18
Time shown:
4,58,10
